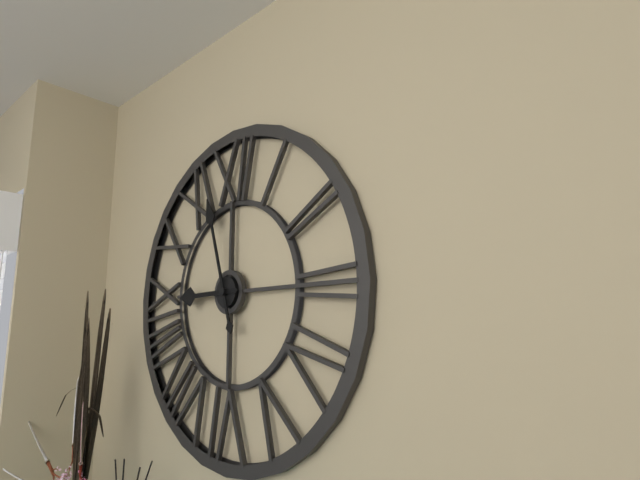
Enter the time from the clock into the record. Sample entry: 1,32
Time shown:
8,57
